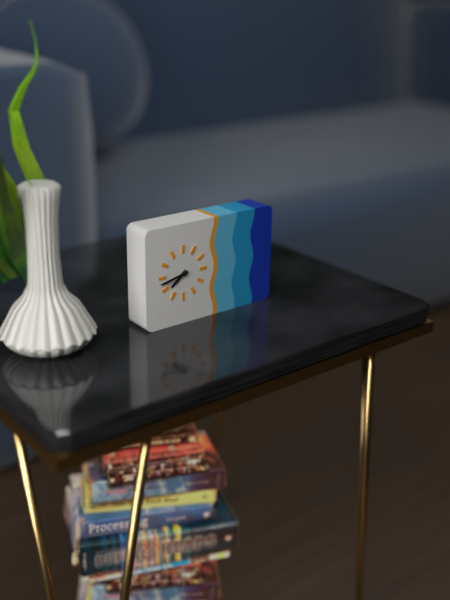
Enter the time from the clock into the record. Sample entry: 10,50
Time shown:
7,43
